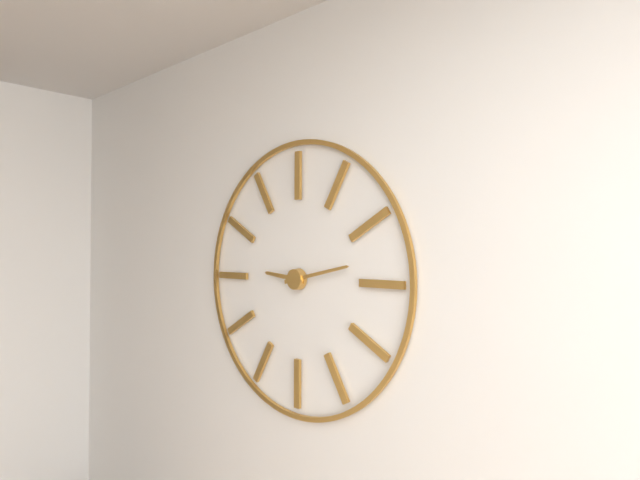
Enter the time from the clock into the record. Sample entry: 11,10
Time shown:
9,13
